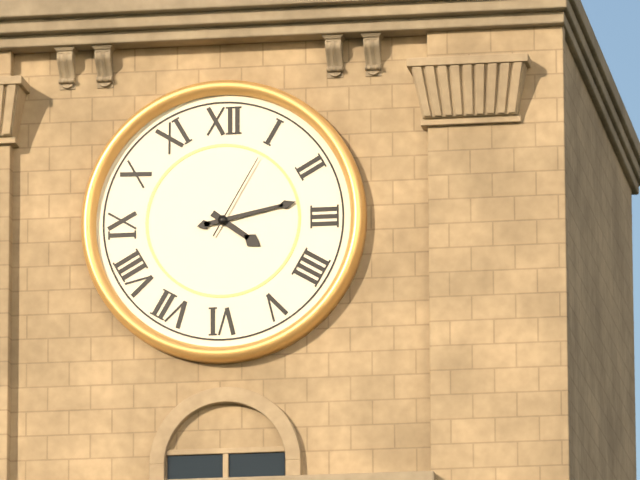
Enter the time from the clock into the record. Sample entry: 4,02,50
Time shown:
4,13,05
